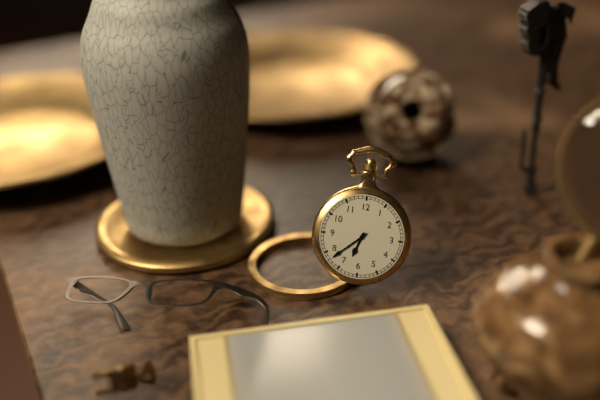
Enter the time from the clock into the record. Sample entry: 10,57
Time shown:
6,38
